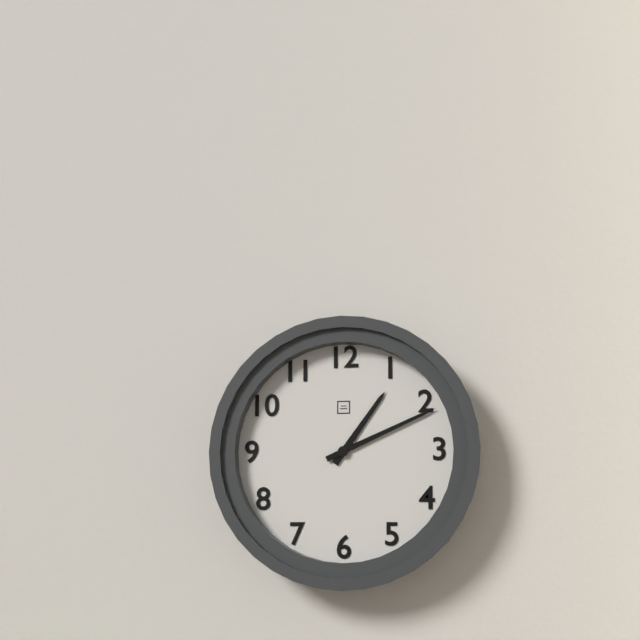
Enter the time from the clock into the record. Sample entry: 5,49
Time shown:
1,11
